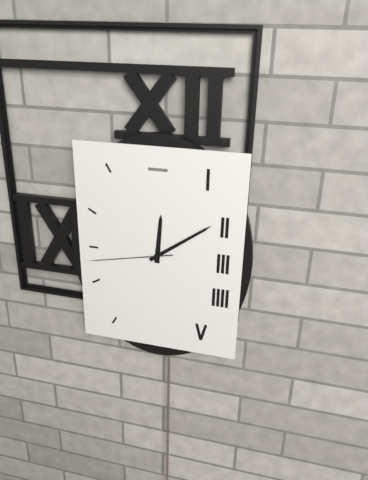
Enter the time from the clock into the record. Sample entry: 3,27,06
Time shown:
12,09,43
